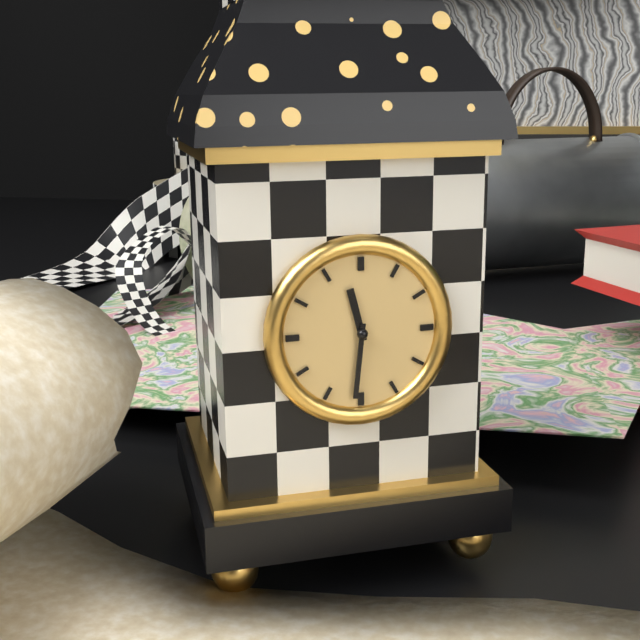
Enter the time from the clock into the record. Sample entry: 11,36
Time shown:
11,31
